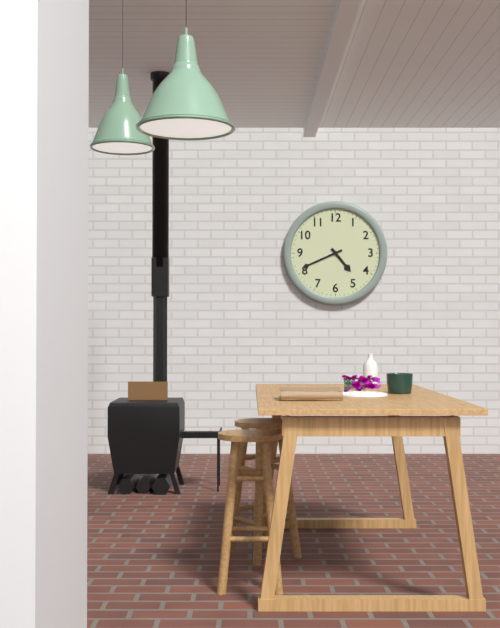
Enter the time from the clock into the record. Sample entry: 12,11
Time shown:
4,41
